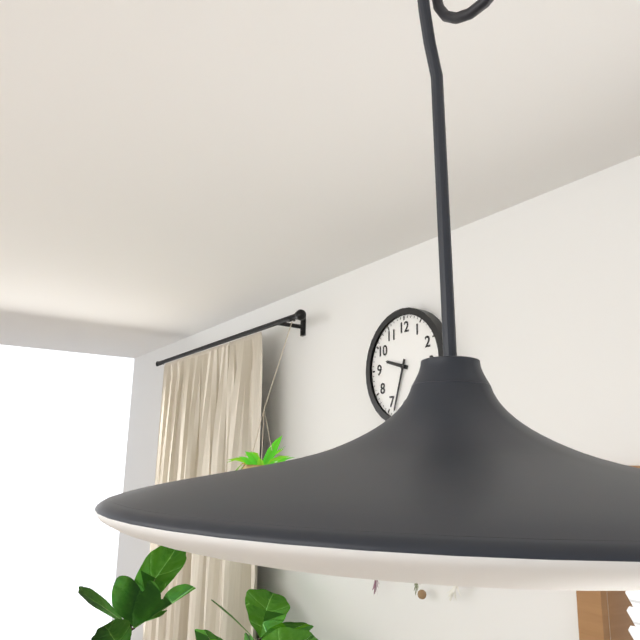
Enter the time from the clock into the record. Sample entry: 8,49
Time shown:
9,33
